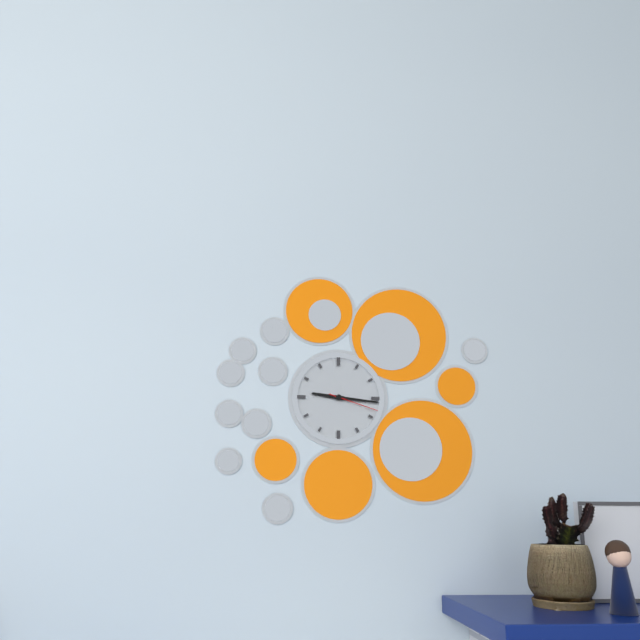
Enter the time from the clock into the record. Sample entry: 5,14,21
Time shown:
9,16,18
